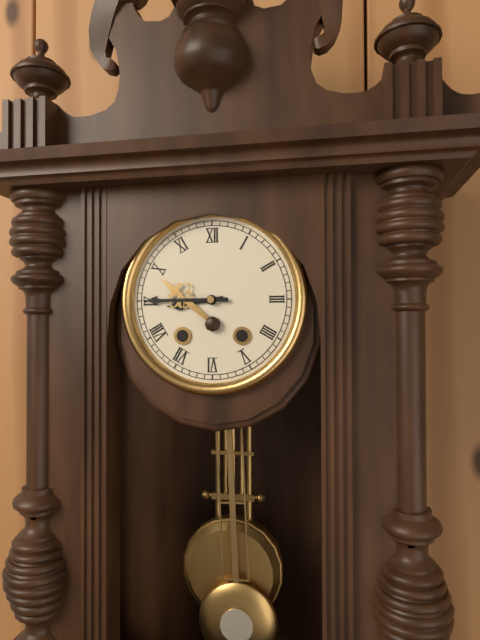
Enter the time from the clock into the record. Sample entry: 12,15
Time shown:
8,45
